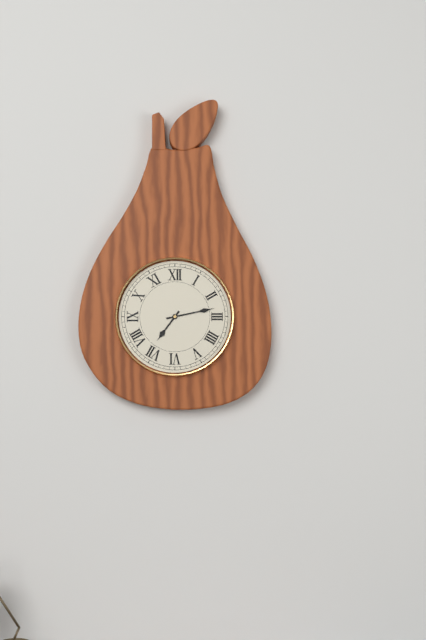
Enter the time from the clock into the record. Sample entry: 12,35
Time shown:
7,13
